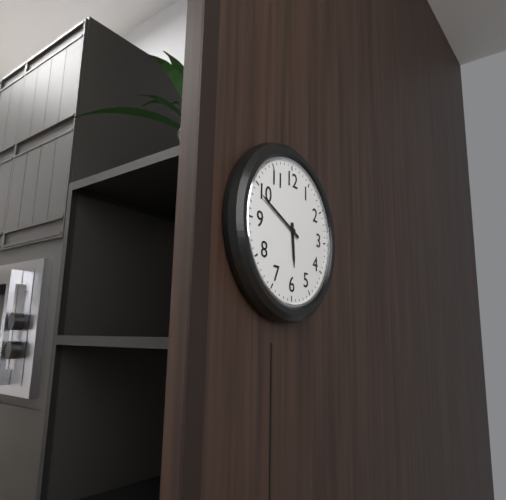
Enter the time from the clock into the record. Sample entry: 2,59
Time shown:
5,49
